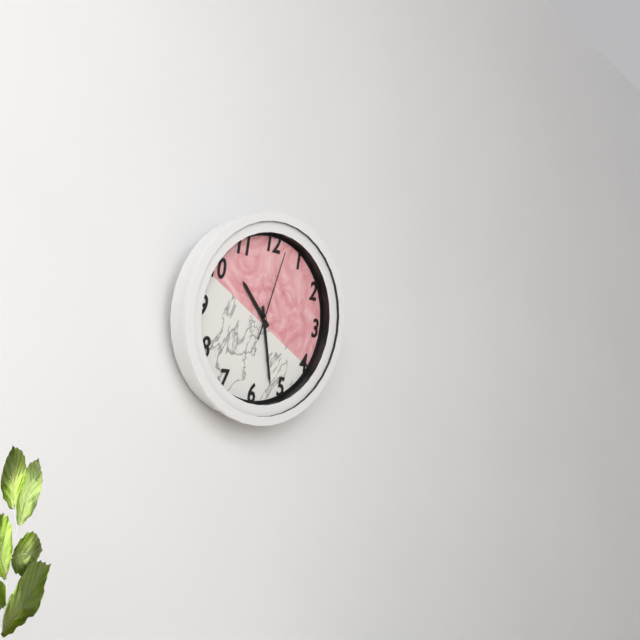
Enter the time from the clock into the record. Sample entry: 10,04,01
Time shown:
10,27,02
